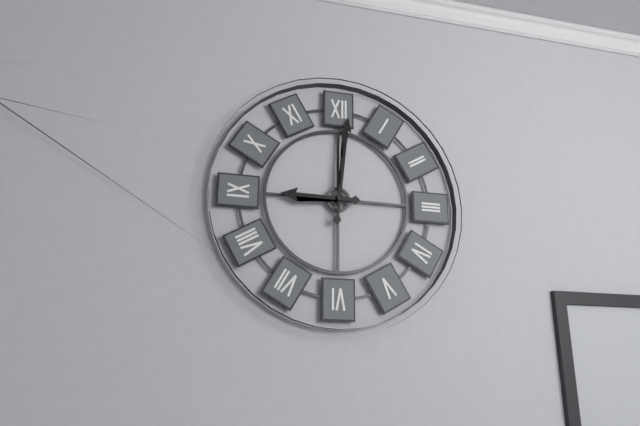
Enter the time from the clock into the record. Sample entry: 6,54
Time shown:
9,01
